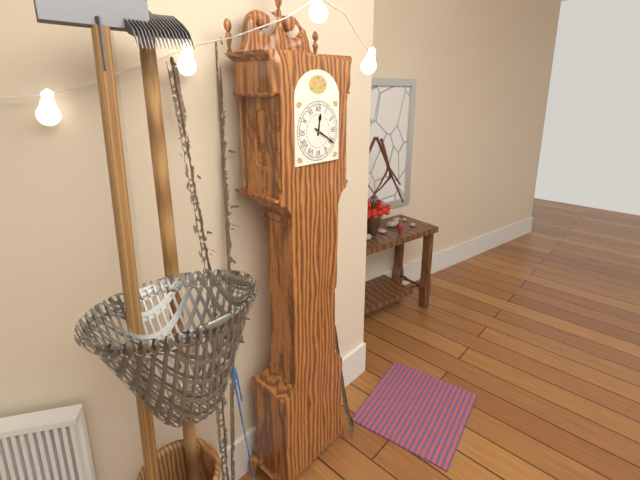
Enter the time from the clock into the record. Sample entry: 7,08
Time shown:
12,20
